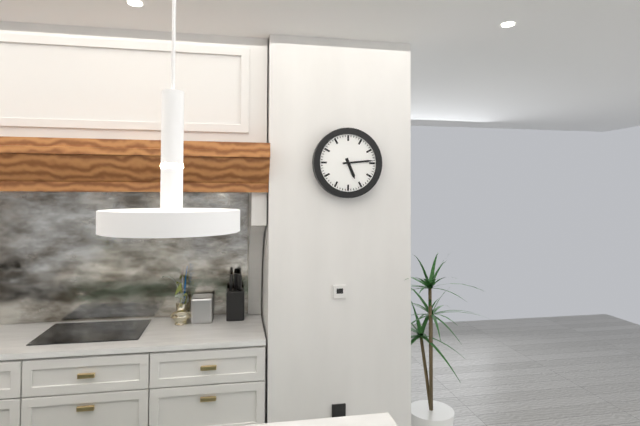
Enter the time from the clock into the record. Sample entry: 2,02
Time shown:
5,14
